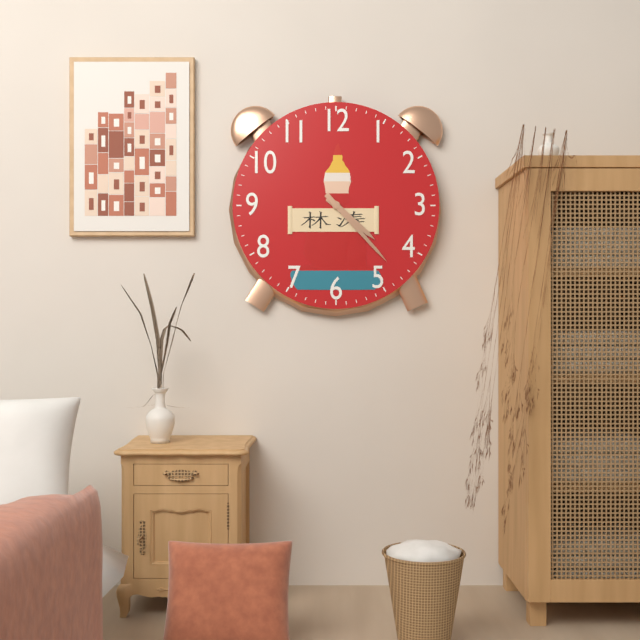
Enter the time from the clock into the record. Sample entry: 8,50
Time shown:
4,23
